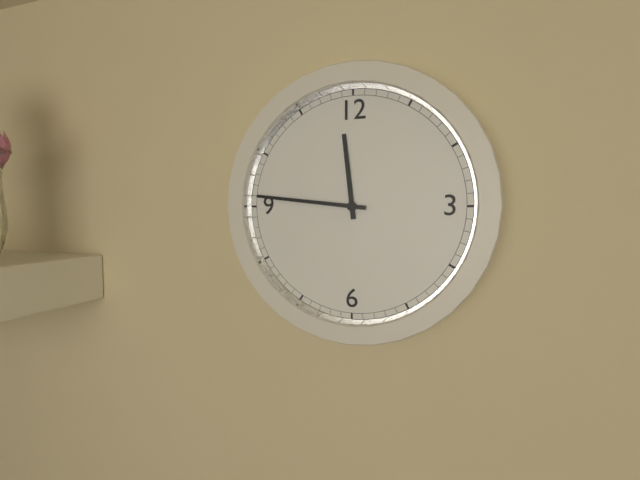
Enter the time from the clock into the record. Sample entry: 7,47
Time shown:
11,46
